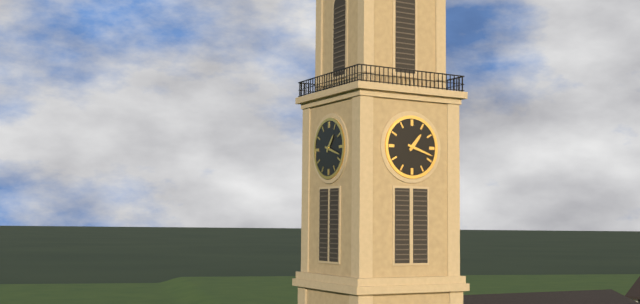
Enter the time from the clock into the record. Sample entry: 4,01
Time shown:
1,18
